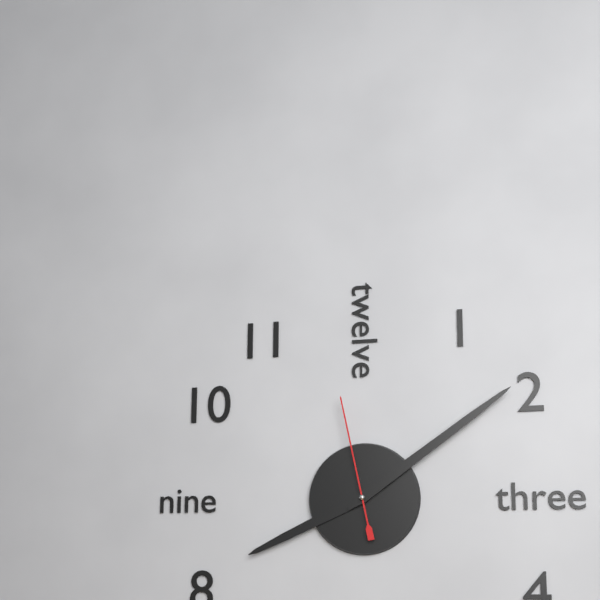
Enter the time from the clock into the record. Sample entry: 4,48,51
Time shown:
8,09,58
